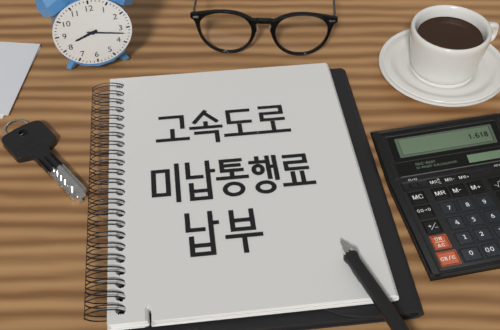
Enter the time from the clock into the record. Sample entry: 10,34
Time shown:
8,17
